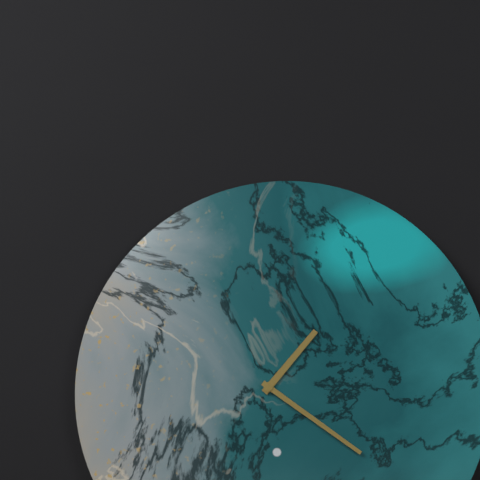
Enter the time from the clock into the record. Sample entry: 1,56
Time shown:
1,21
